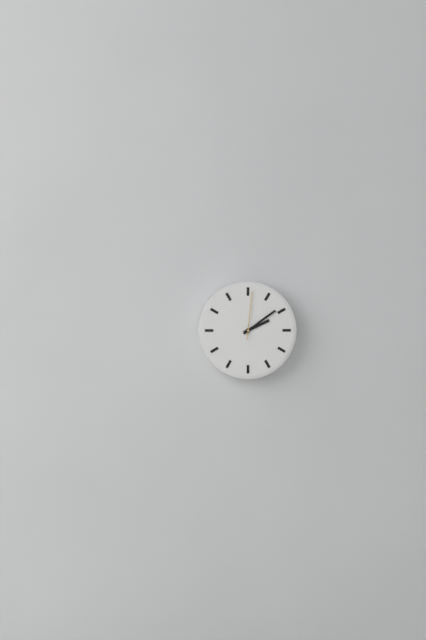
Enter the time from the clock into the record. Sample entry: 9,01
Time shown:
2,09
